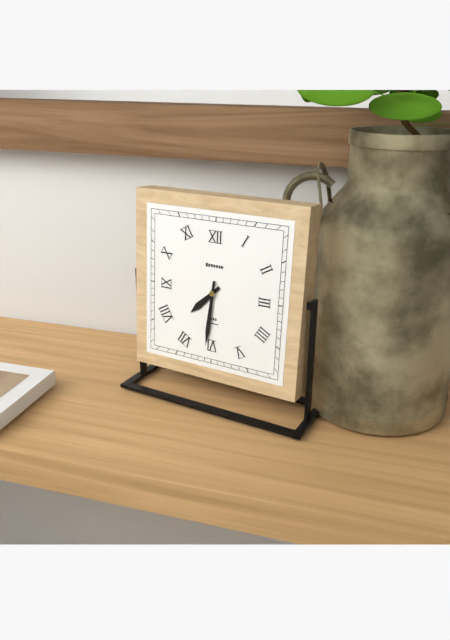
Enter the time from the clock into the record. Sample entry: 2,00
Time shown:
7,31
